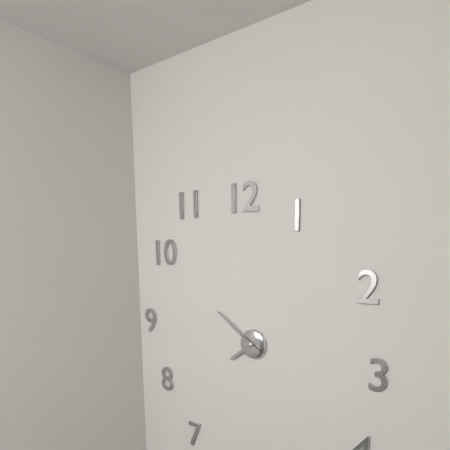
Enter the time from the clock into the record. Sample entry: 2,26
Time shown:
7,51
